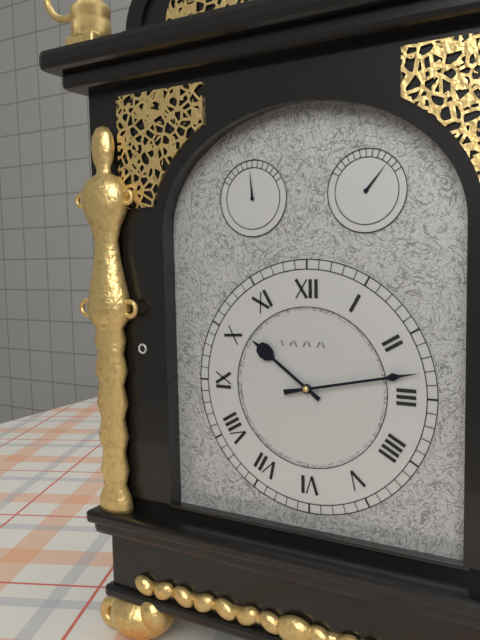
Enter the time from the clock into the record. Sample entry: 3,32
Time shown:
10,13
